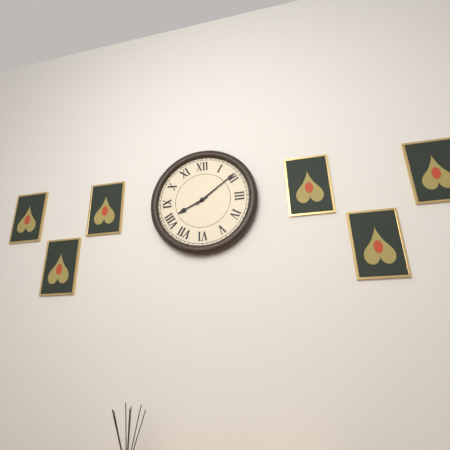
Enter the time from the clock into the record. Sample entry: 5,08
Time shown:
8,09
